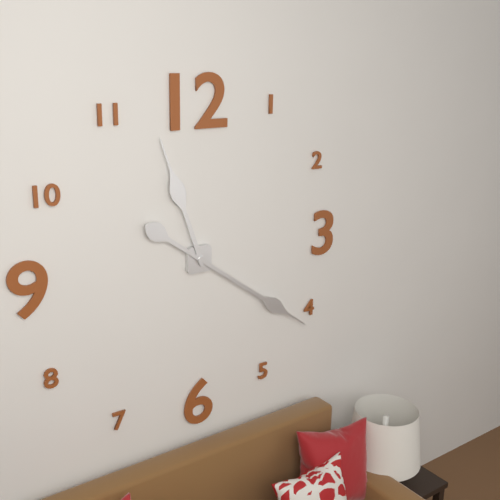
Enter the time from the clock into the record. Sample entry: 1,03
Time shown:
11,21
